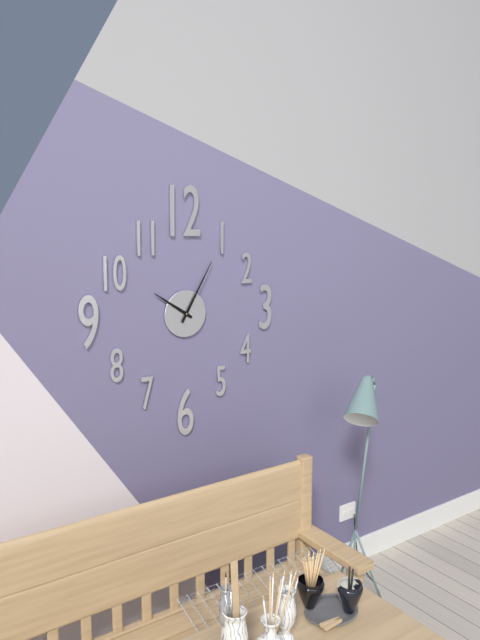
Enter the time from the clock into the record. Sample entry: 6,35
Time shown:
10,05
